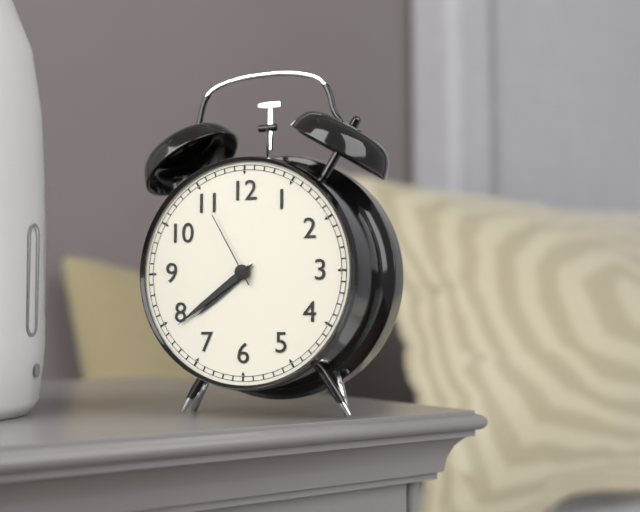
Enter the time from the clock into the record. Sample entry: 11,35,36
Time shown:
7,39,55
